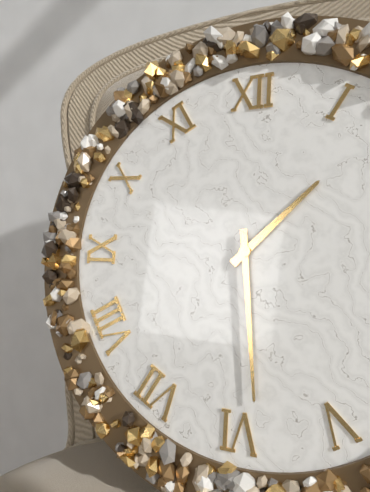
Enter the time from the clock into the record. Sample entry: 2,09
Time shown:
1,29
